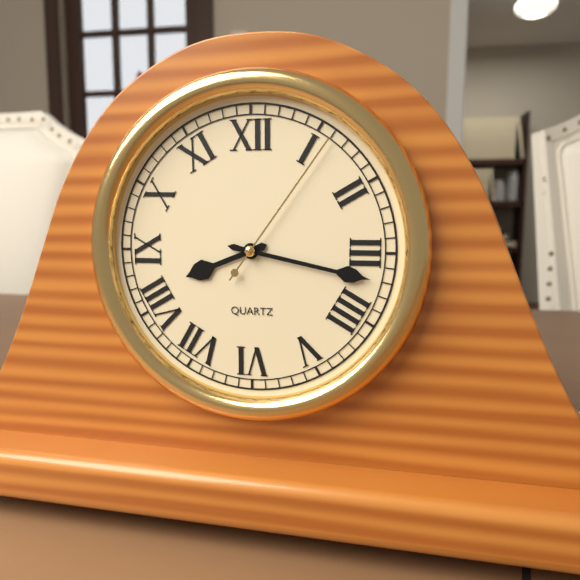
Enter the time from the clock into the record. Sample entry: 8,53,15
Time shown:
8,17,06
